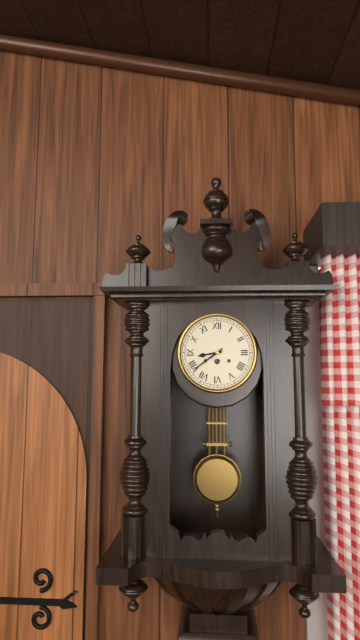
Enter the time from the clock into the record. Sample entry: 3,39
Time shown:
8,39
